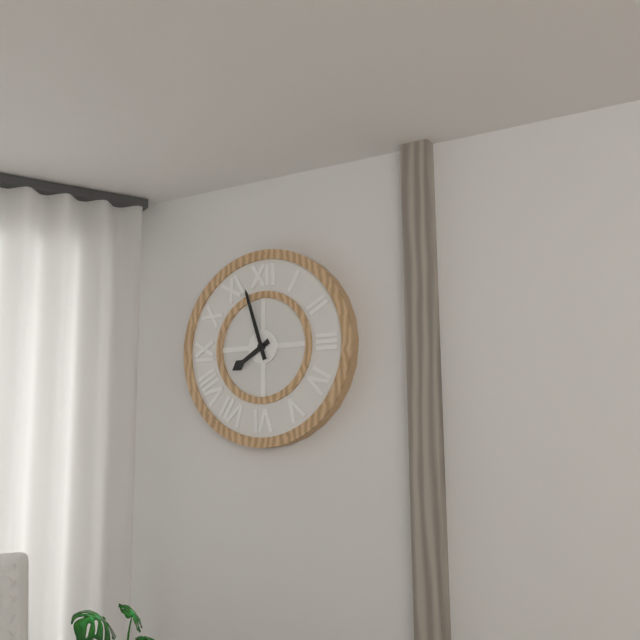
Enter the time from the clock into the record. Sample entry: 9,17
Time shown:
7,57
